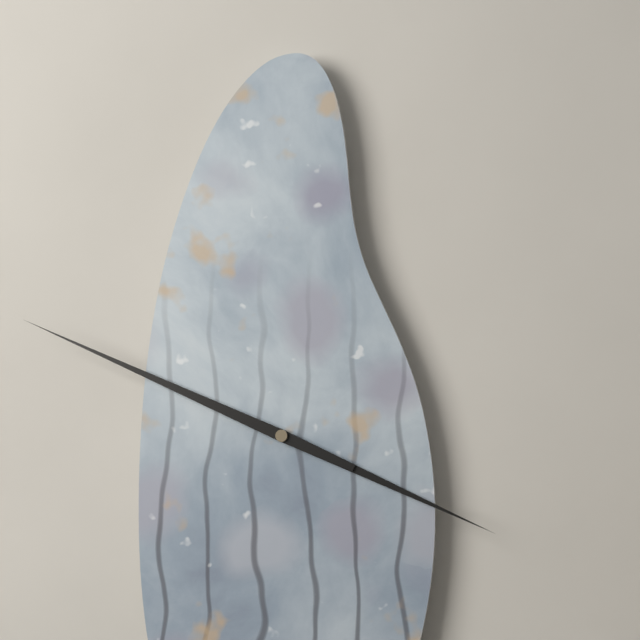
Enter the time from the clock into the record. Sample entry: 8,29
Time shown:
3,49
